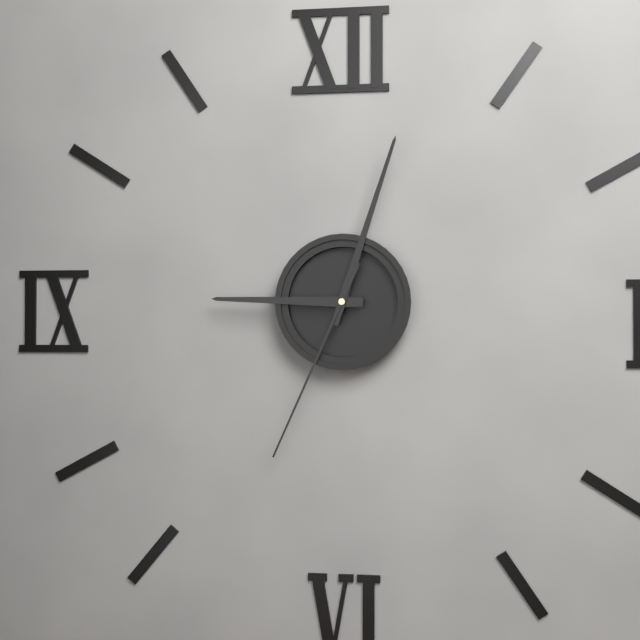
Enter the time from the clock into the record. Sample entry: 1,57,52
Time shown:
9,03,34
